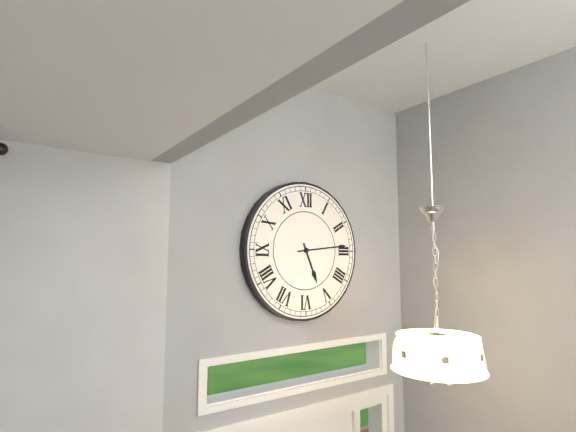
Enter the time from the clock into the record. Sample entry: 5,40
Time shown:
5,14
